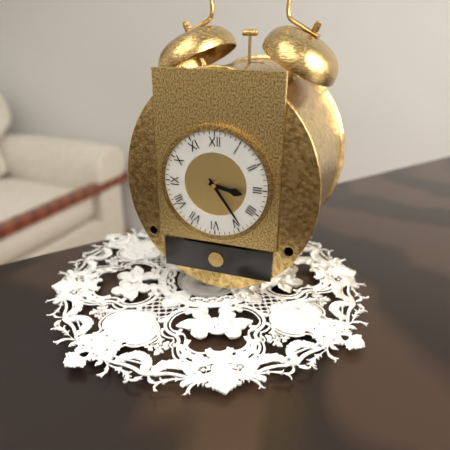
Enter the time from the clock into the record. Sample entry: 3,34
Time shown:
3,24
